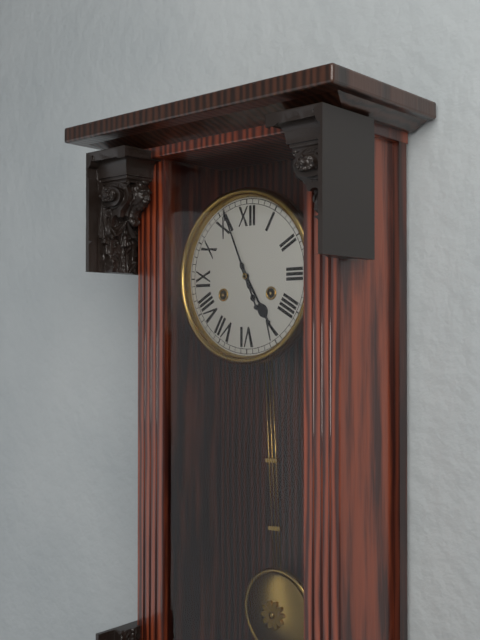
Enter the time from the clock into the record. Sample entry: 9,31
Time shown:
4,56
